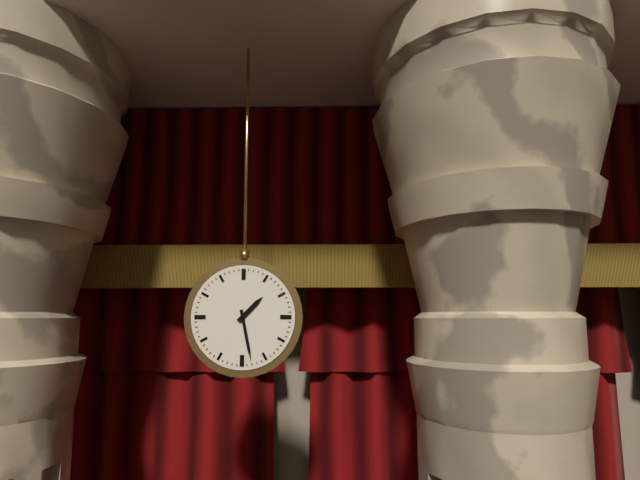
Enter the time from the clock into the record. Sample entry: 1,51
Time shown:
1,28
